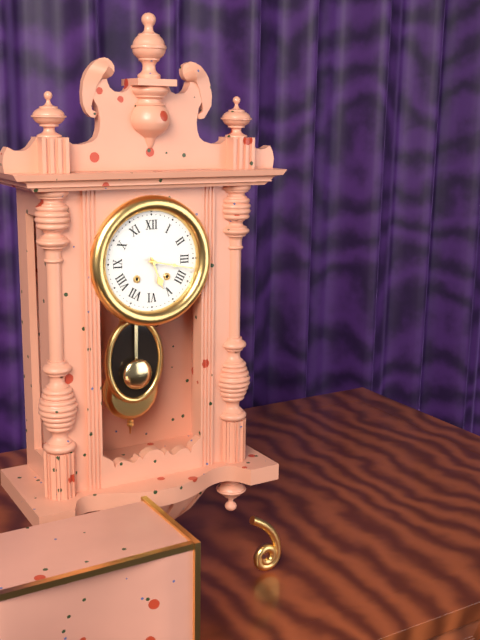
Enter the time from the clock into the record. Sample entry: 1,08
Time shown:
5,17
